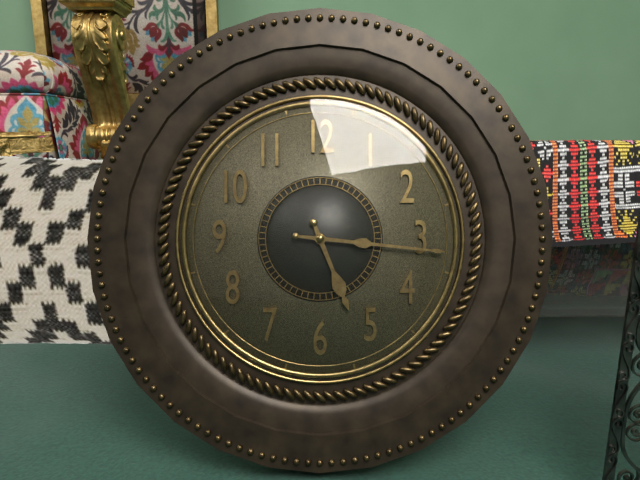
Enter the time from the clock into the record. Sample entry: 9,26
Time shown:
5,16
